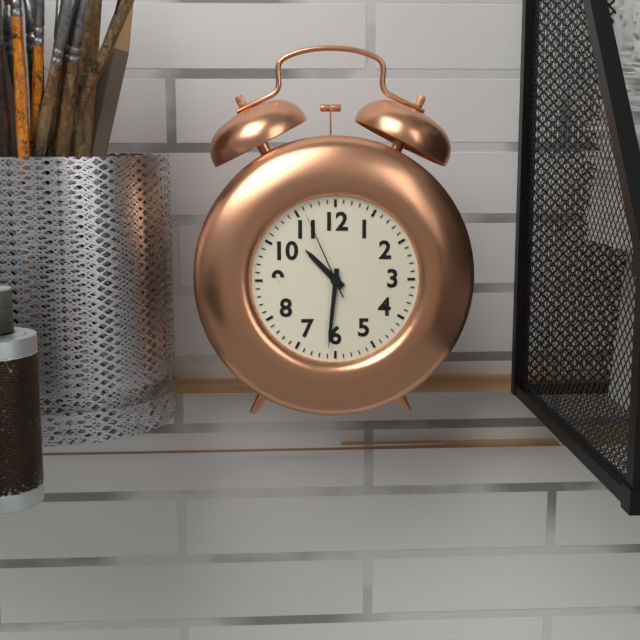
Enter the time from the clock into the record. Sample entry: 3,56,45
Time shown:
10,31,56
